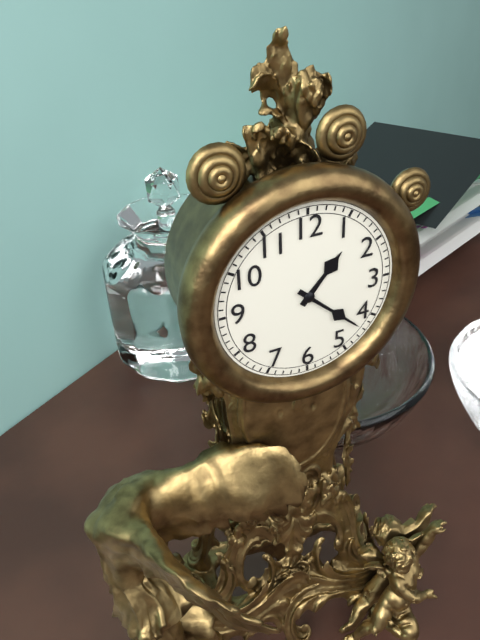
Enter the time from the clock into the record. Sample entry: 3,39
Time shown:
1,22
